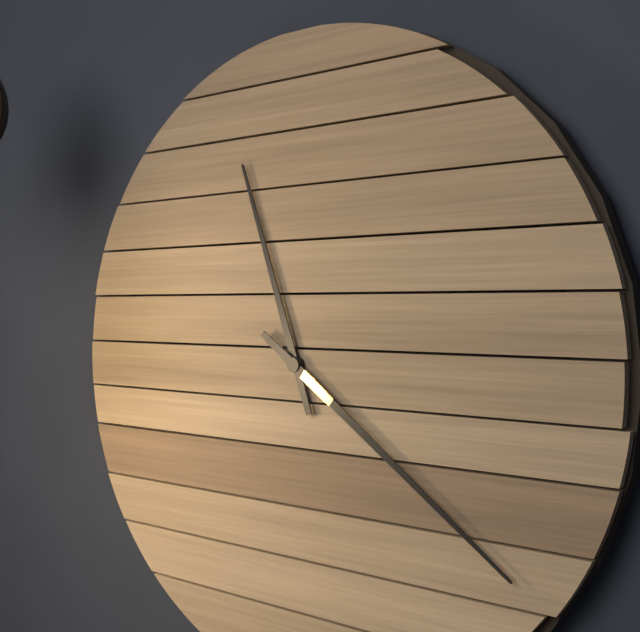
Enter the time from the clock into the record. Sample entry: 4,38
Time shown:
11,21
